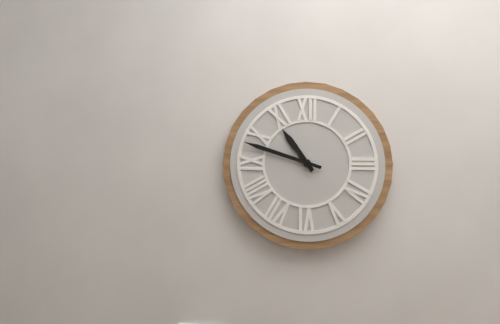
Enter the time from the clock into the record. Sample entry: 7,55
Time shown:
10,48
